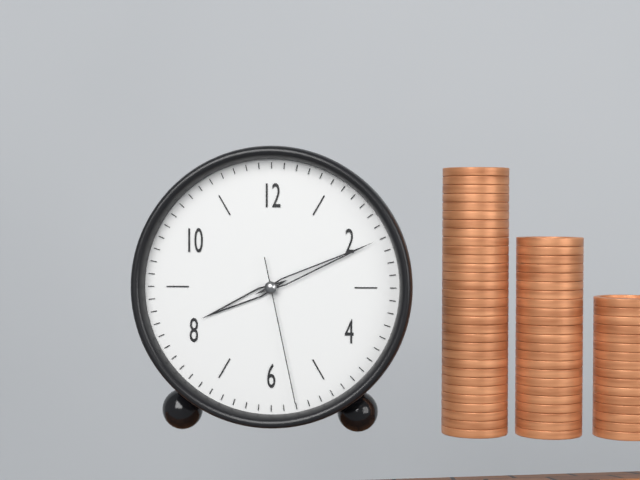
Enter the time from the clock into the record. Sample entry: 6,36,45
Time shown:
8,11,28
